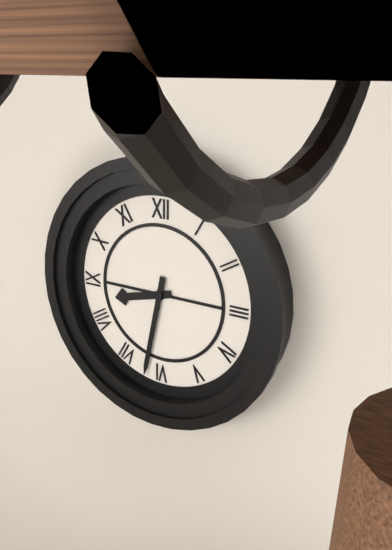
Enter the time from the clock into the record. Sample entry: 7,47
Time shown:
8,32
